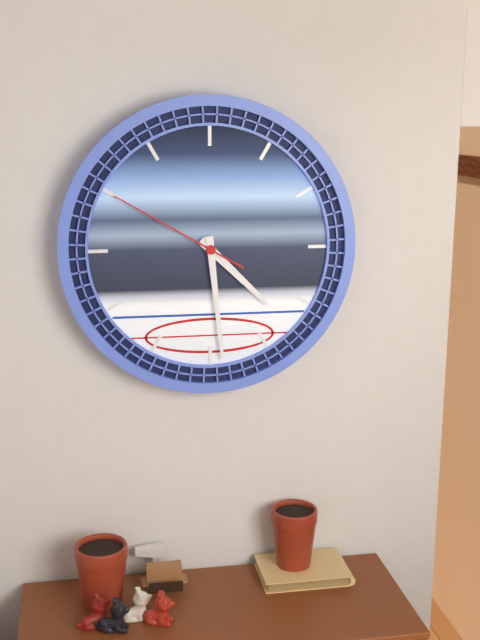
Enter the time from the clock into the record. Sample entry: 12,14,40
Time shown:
4,29,50
